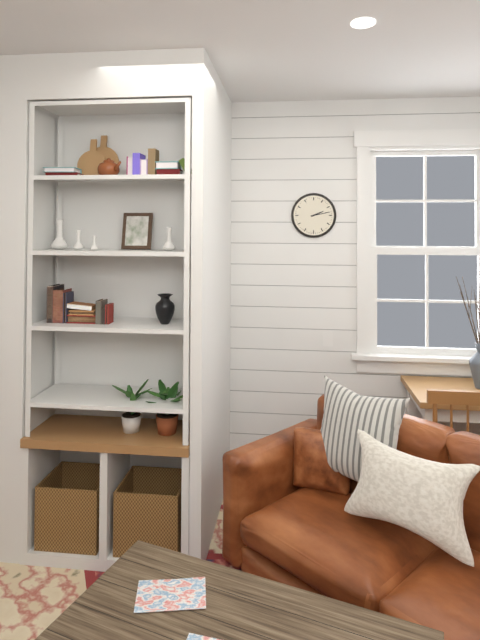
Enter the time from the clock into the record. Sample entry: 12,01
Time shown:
2,13
